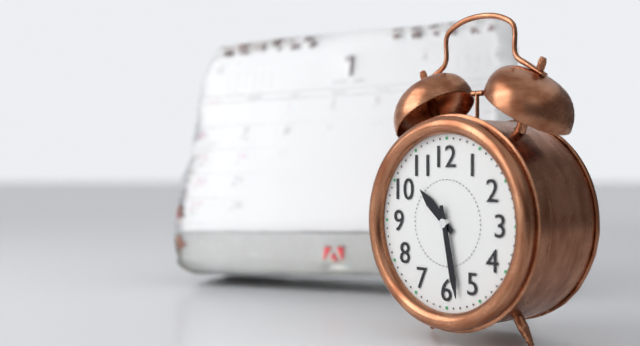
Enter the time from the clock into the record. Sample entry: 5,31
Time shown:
10,28
